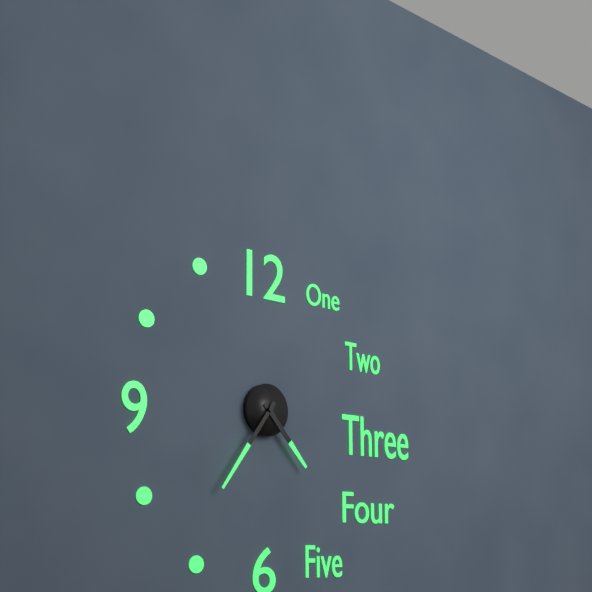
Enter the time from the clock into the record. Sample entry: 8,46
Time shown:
4,36
